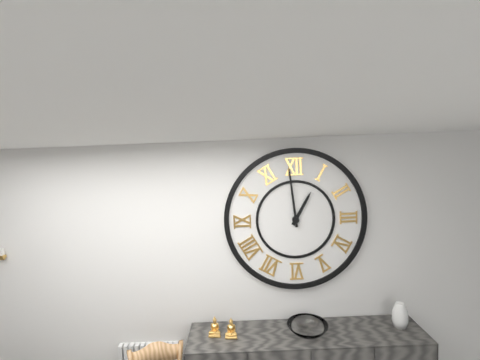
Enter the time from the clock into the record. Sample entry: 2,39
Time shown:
12,59
